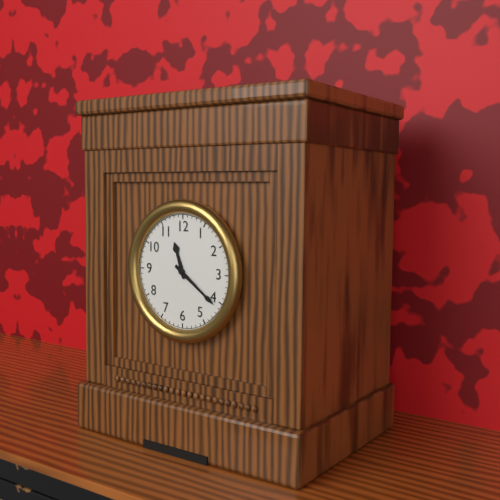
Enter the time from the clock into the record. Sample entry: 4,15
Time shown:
11,21
